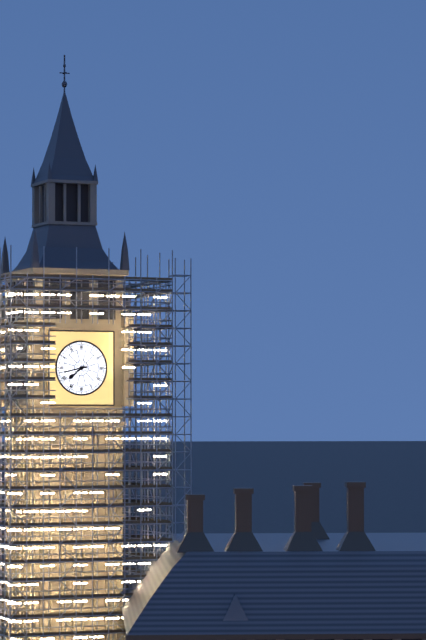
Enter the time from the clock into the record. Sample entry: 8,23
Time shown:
7,43
